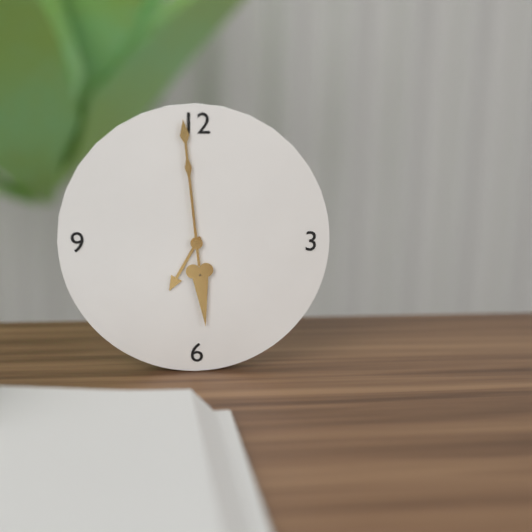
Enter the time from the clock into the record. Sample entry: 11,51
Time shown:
6,59
